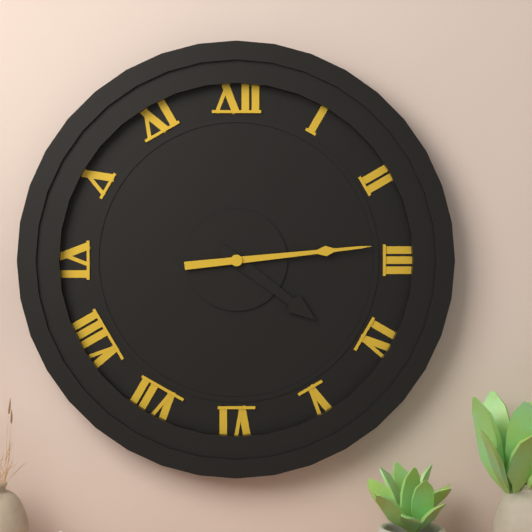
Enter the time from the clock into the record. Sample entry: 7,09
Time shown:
4,14
